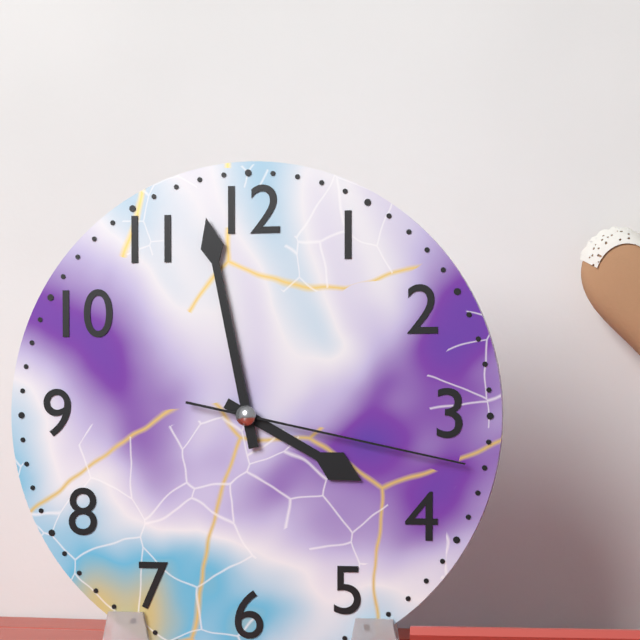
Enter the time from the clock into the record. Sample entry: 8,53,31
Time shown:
3,58,17
